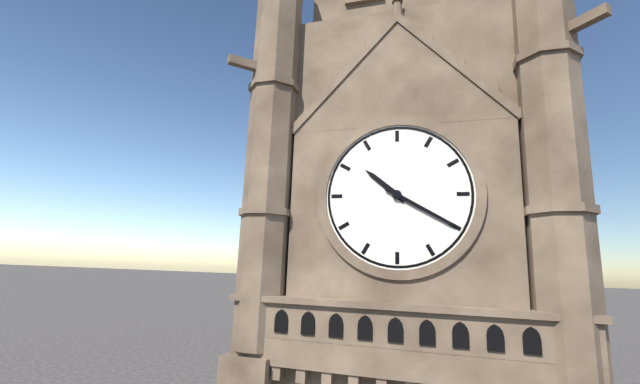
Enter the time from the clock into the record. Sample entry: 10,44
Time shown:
10,20
